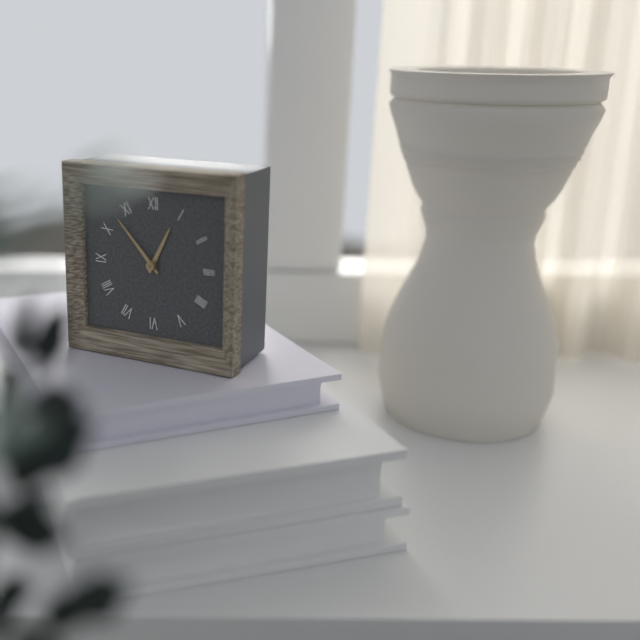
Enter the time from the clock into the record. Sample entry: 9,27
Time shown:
12,53
